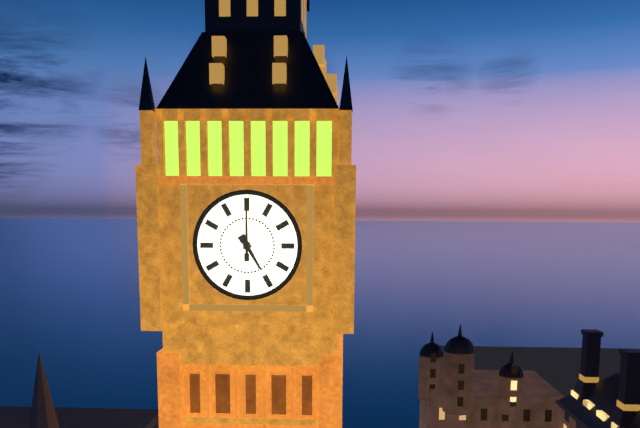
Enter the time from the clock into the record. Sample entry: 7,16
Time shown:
5,00
